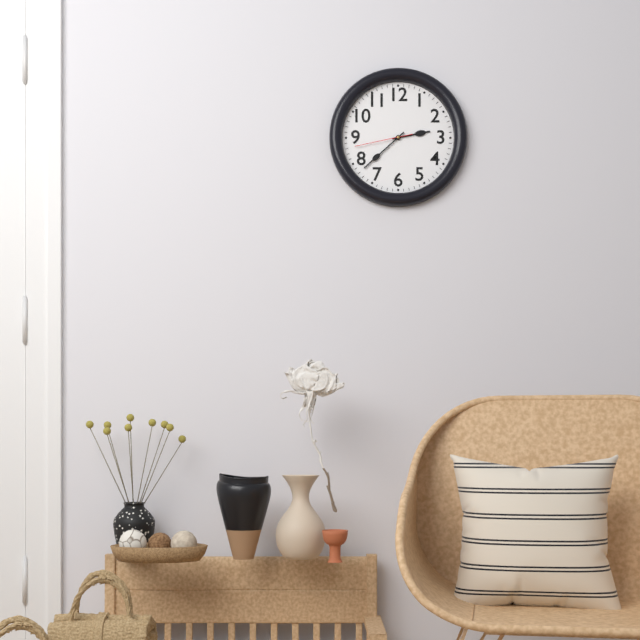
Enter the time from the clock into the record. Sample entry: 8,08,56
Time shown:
2,38,43
